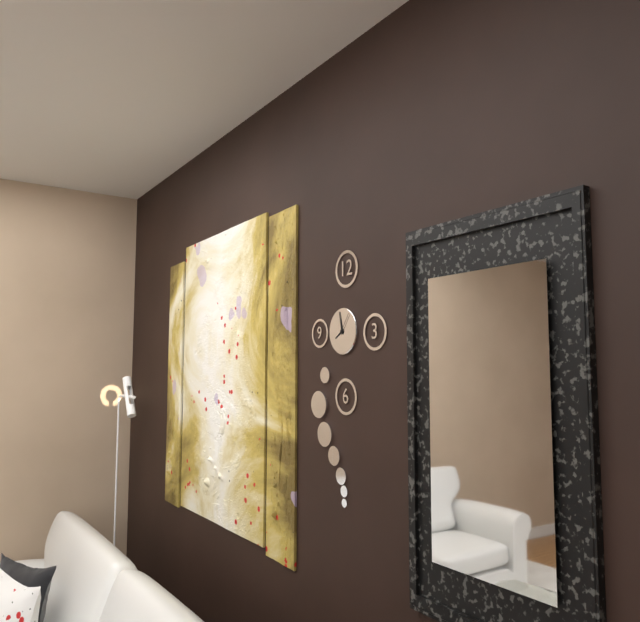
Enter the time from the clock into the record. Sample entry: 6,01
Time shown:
7,58
